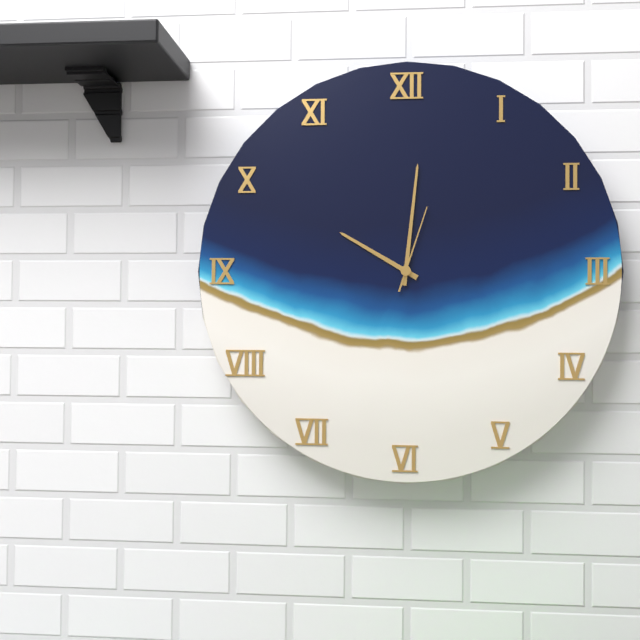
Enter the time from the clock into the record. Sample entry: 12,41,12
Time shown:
10,01,03
